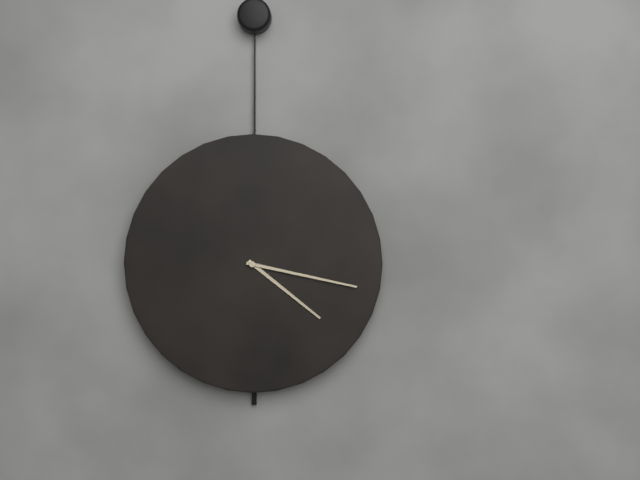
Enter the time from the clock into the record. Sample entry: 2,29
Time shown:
4,17
